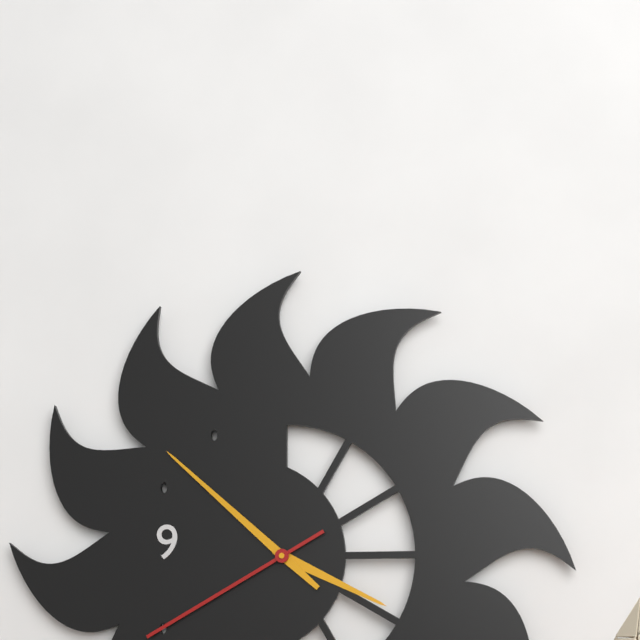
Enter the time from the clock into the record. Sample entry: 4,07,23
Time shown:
3,52,40
